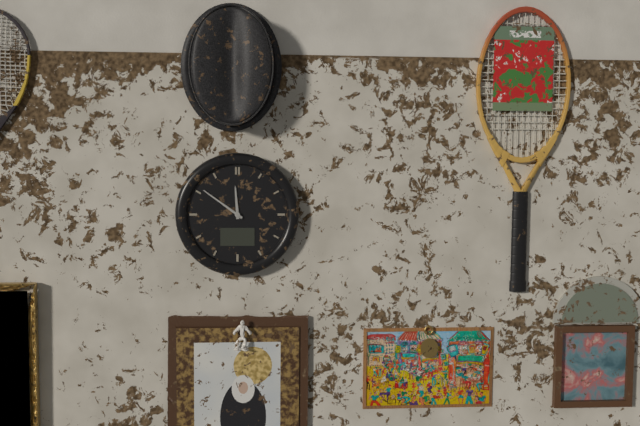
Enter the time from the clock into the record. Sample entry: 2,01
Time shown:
11,51
